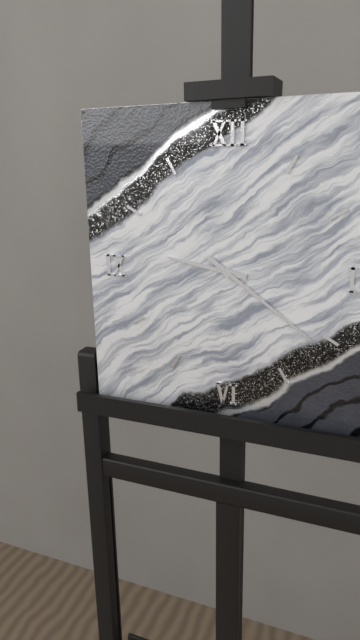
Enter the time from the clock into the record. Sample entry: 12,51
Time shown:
9,21
